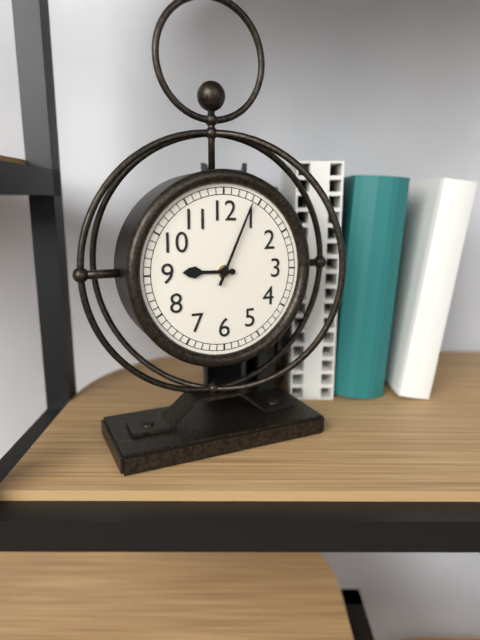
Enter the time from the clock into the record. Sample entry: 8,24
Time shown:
9,04
